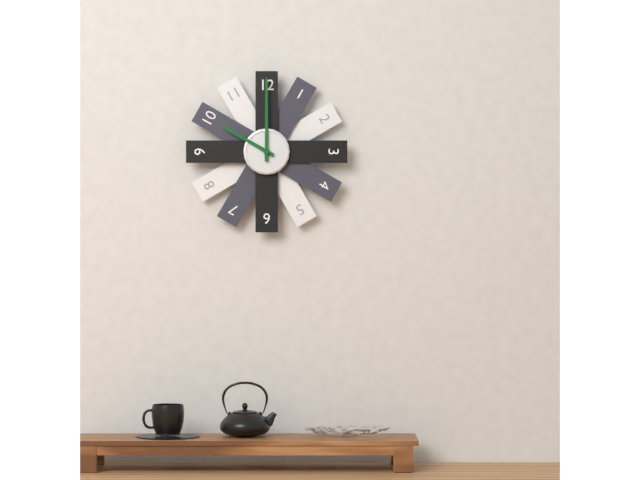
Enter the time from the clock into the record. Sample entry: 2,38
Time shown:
10,00
